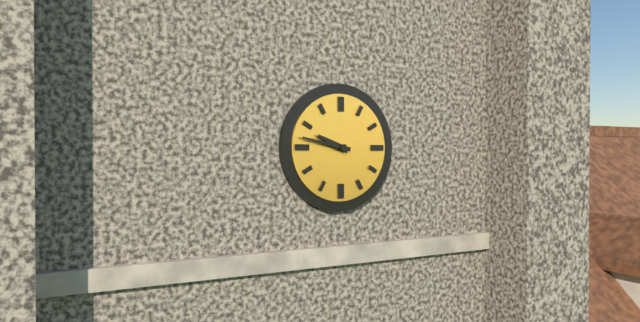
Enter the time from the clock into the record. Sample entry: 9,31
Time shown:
9,47
